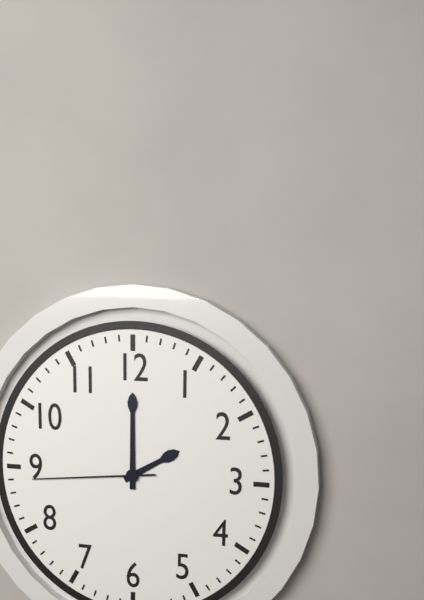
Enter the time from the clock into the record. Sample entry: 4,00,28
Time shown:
2,00,44
